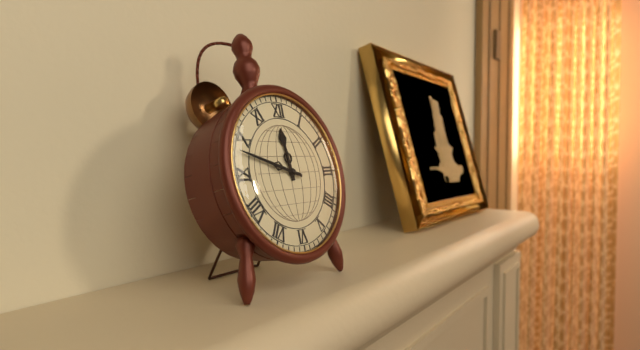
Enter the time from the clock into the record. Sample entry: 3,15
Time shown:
11,48
